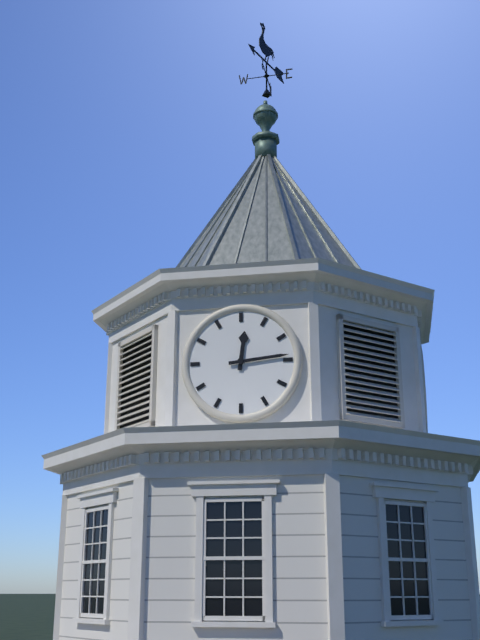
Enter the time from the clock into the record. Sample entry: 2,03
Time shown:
12,14
